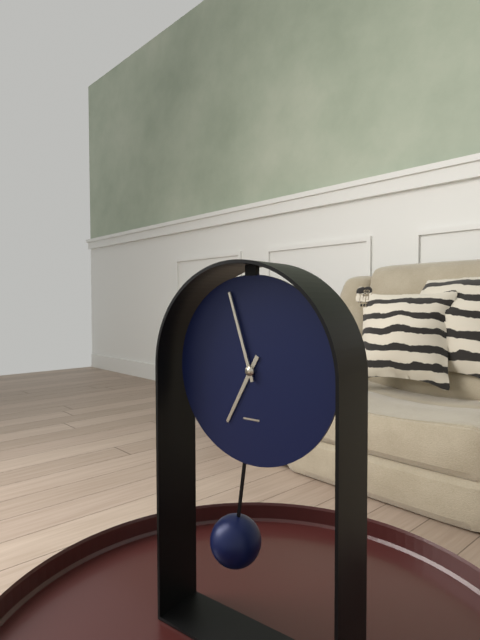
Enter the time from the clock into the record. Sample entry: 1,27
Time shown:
6,57
